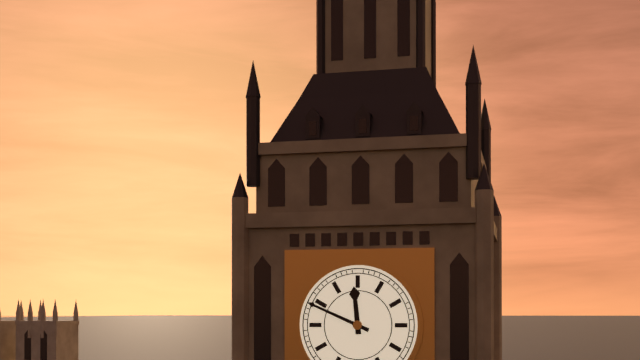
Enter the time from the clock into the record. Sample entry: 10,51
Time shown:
11,49
